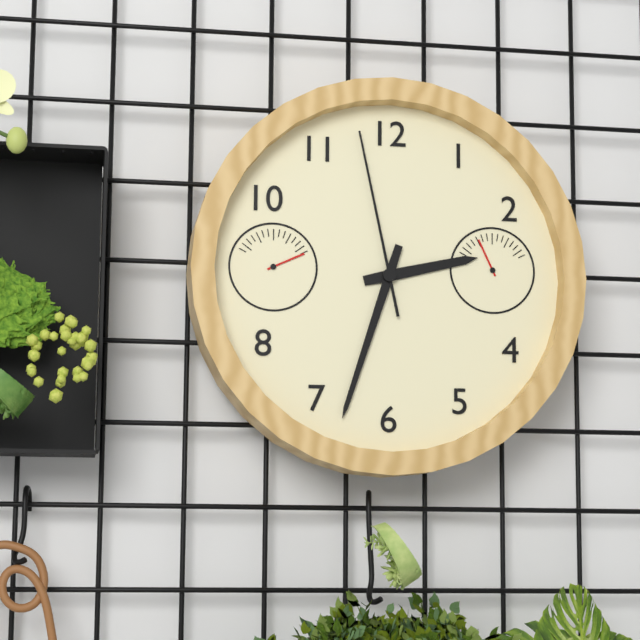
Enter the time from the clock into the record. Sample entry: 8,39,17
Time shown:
2,33,58
